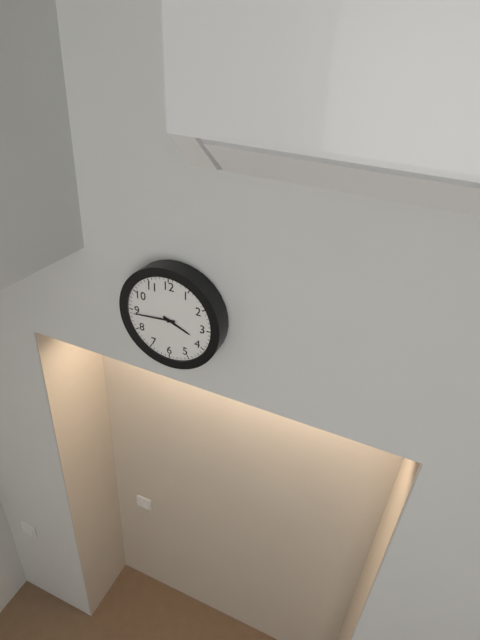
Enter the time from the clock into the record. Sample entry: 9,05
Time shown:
3,44
